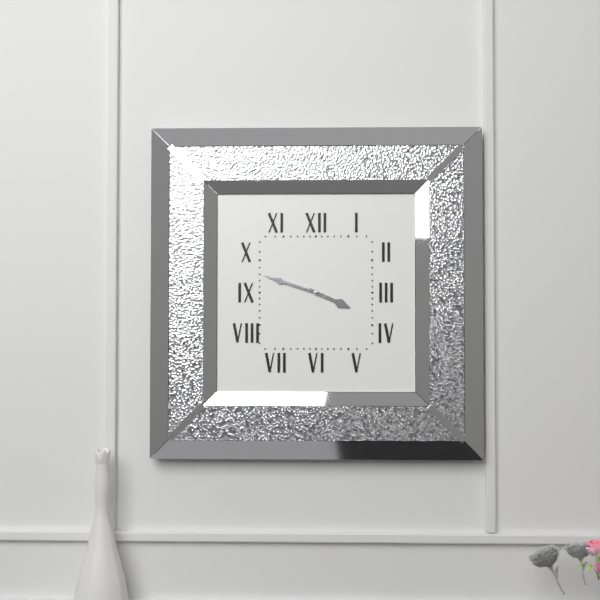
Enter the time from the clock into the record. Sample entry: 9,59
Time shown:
3,48
